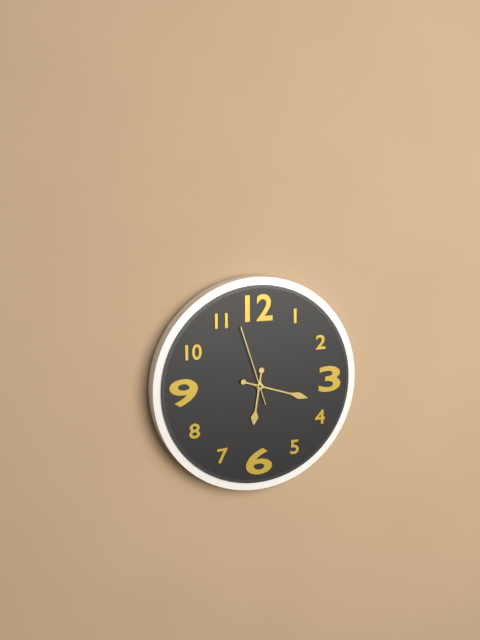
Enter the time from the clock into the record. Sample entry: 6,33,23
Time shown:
6,18,57
